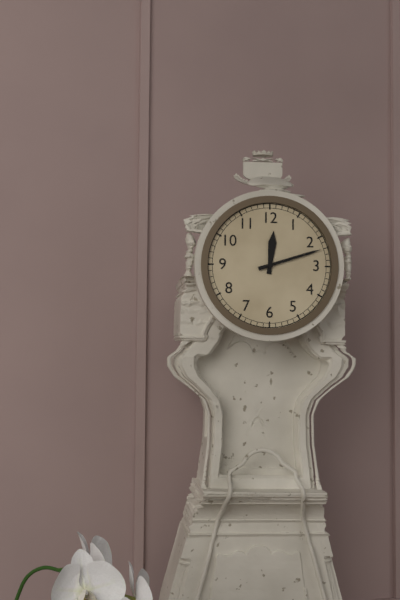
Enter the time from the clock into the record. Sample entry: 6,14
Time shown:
12,12
